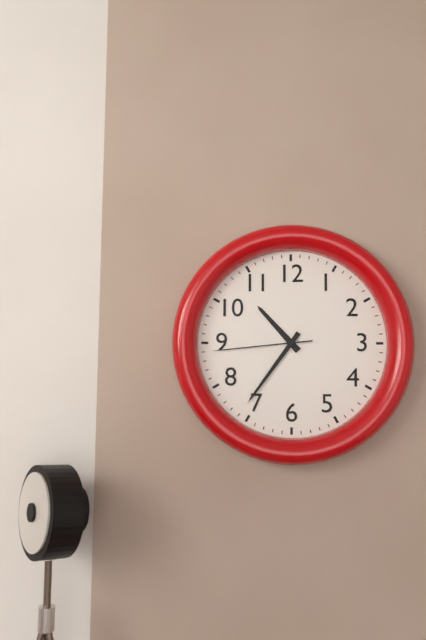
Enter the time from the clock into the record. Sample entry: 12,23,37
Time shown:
10,36,44
